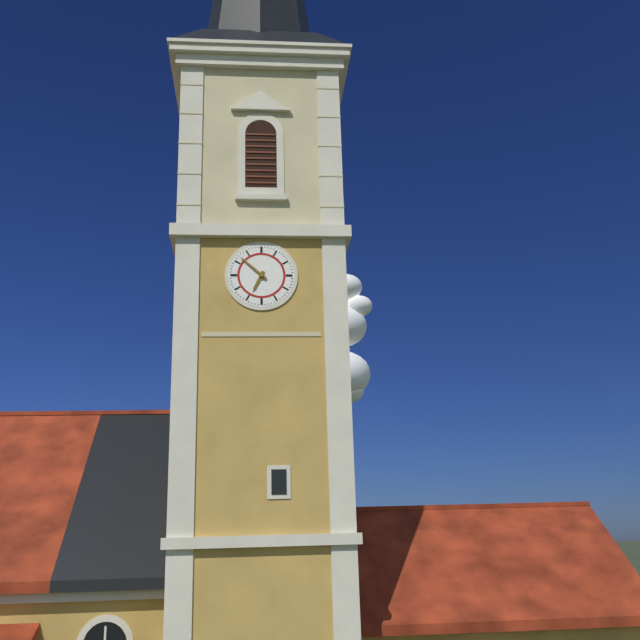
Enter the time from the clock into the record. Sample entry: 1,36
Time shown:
6,52
